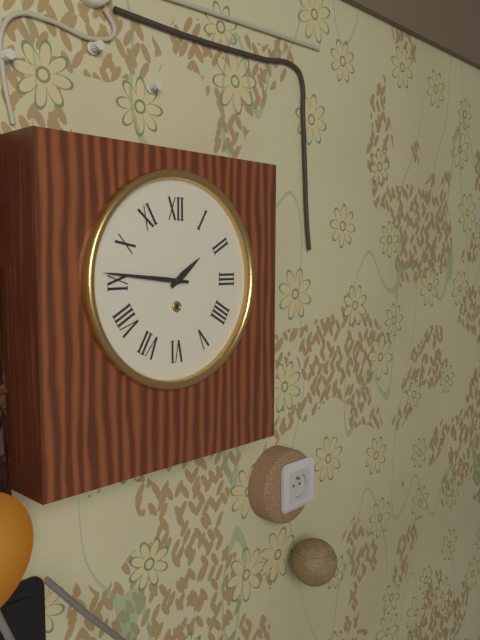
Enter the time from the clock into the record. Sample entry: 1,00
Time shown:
1,46
